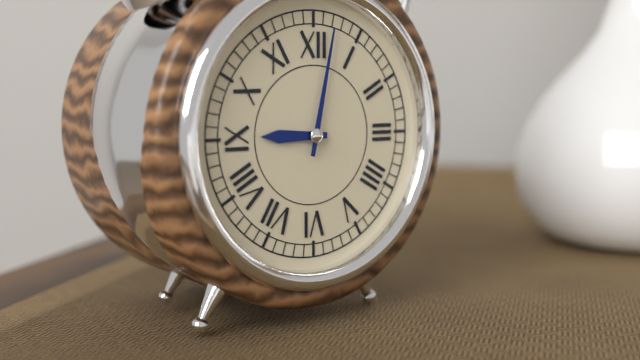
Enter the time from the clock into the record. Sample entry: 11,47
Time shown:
9,02
